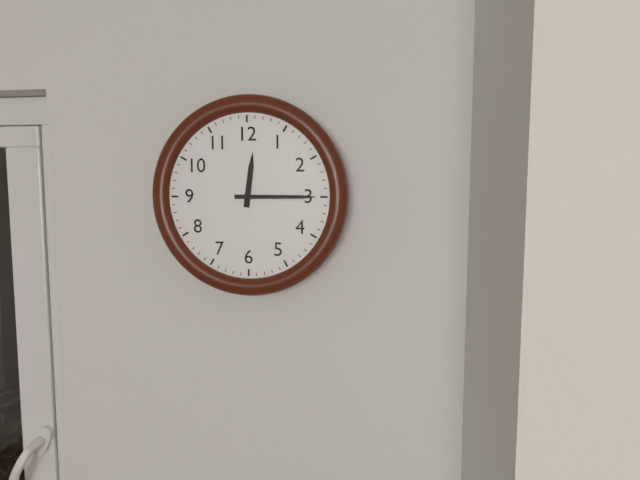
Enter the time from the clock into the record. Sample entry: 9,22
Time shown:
12,15
